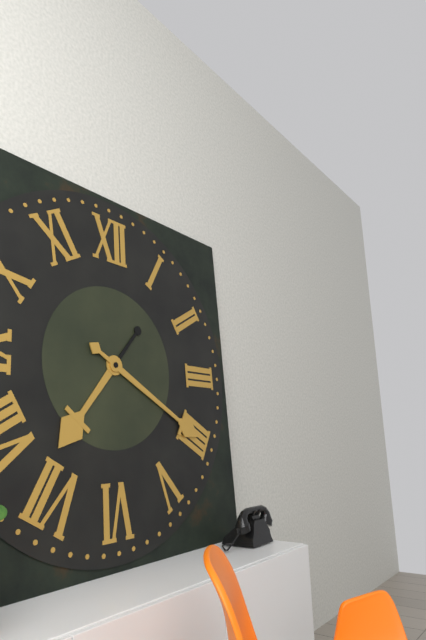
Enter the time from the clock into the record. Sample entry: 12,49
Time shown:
7,20
